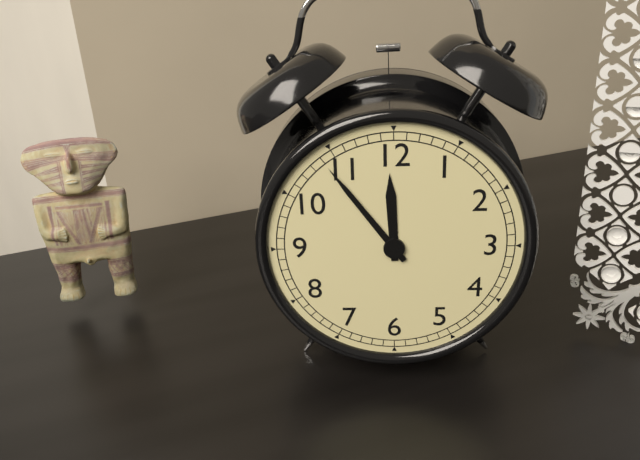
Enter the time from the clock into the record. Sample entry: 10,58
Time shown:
11,54
